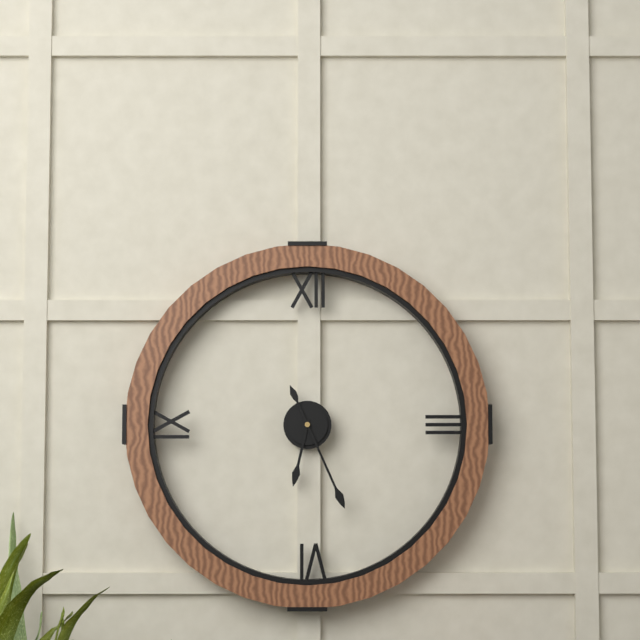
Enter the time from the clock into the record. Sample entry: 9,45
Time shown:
6,26
